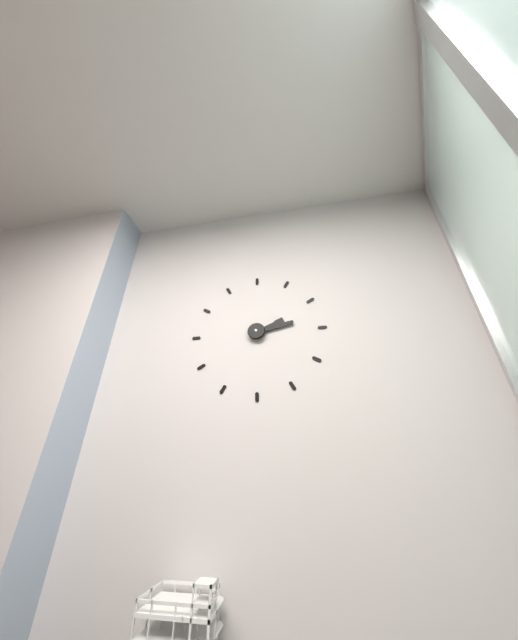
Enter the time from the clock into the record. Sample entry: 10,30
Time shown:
2,13
